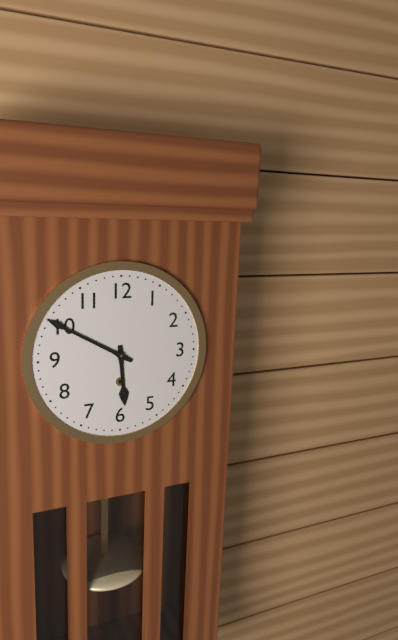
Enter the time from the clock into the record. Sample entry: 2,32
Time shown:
5,50
